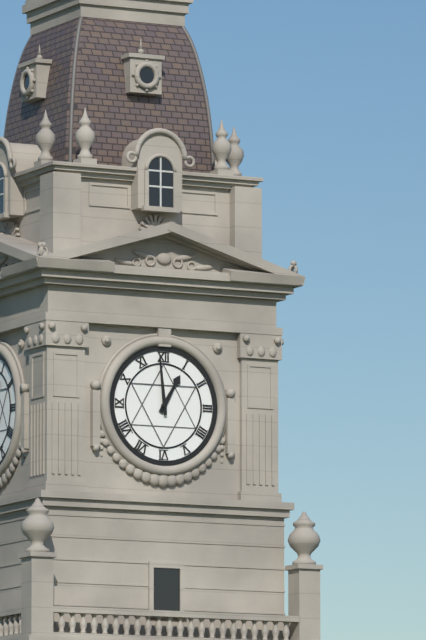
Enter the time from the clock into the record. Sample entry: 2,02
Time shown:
12,59
